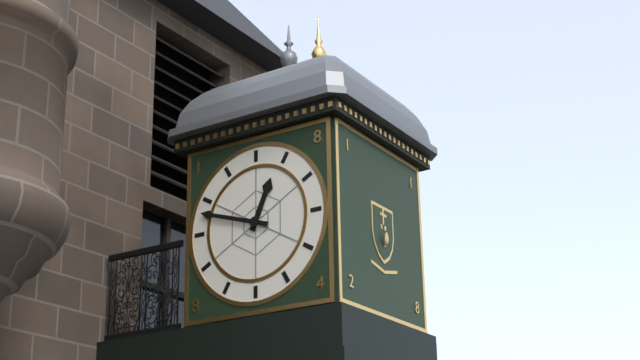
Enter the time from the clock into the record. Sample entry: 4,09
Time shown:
12,48
